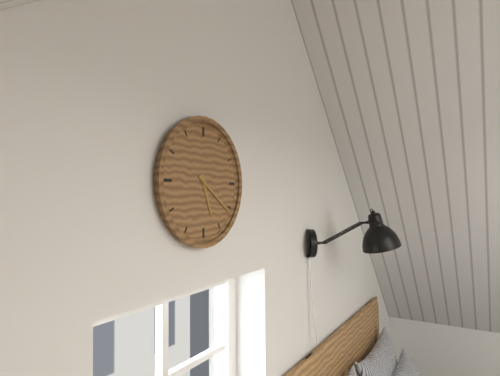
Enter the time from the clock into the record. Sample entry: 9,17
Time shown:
5,21
